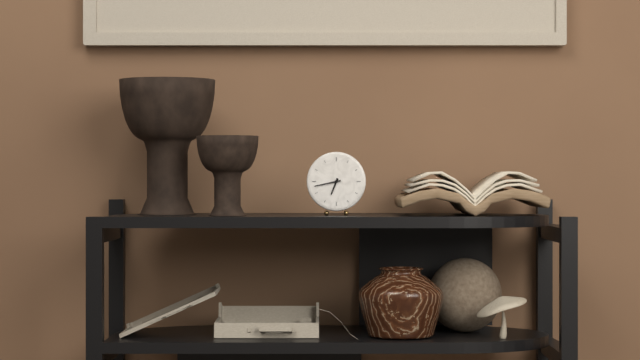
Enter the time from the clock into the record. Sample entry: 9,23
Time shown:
6,43
